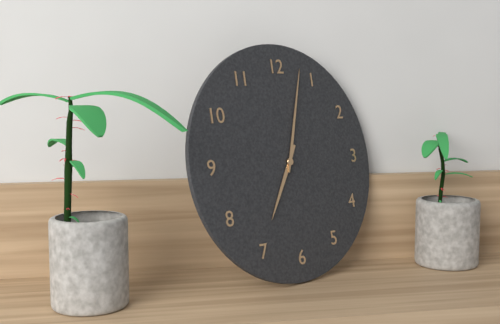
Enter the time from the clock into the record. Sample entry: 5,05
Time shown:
7,03
